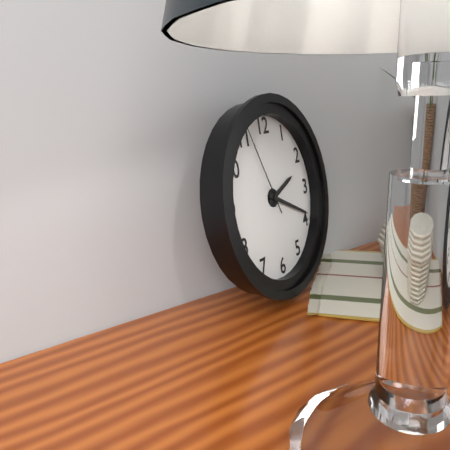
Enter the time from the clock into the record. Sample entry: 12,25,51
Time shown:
2,19,56
